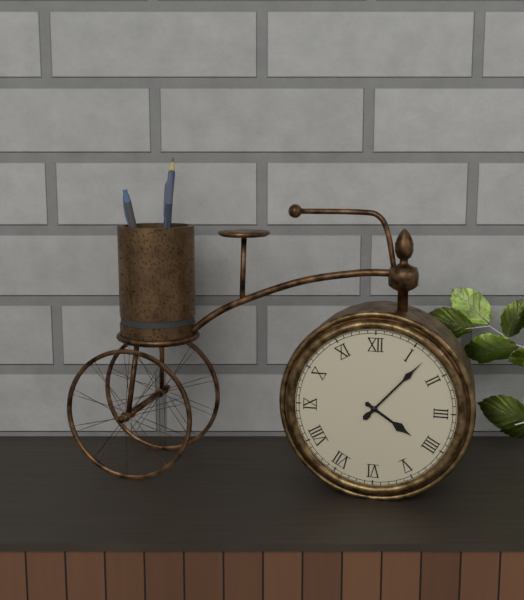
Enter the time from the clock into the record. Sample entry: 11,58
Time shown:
4,07
